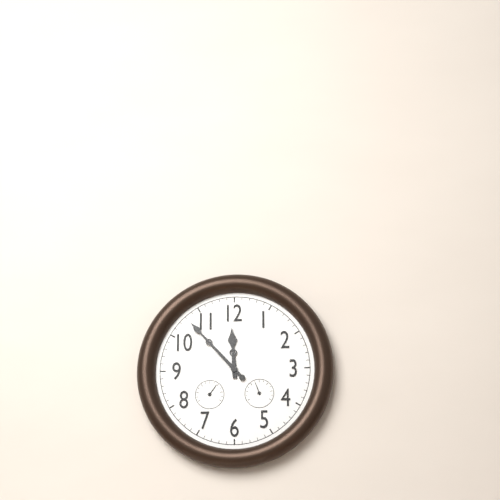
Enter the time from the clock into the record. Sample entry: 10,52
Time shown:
11,53
